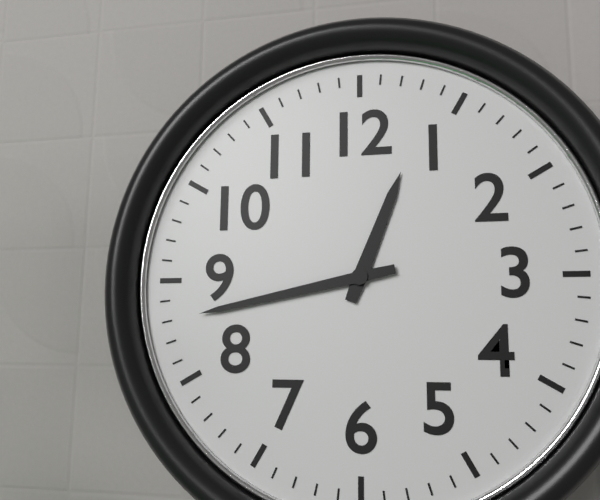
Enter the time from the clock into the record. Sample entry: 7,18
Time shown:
12,43
